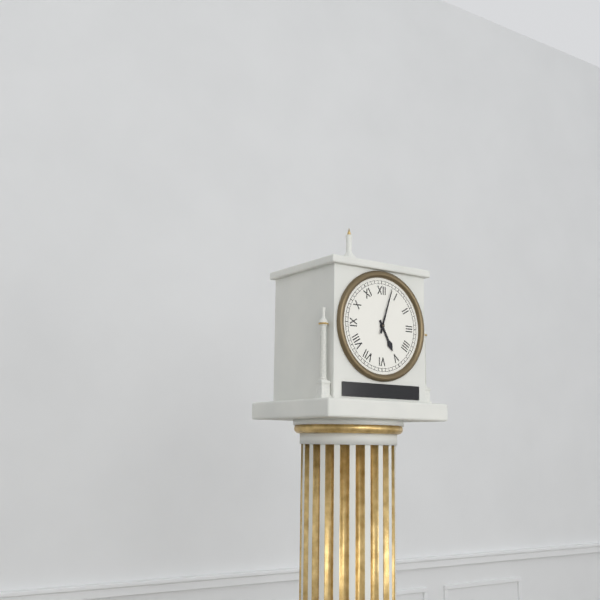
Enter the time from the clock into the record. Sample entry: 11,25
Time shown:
5,03
